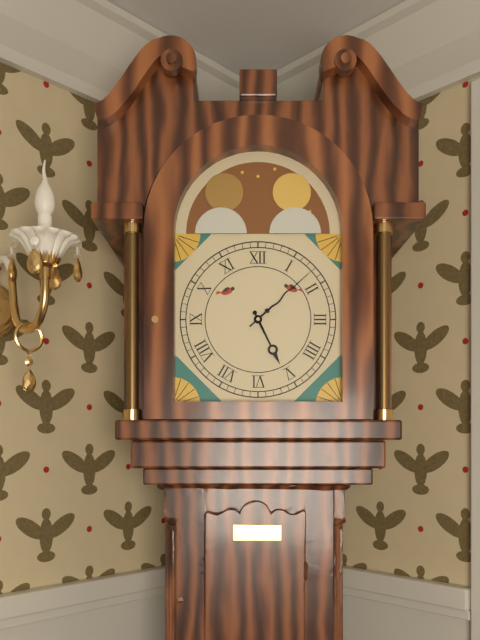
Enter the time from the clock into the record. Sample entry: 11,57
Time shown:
5,08
